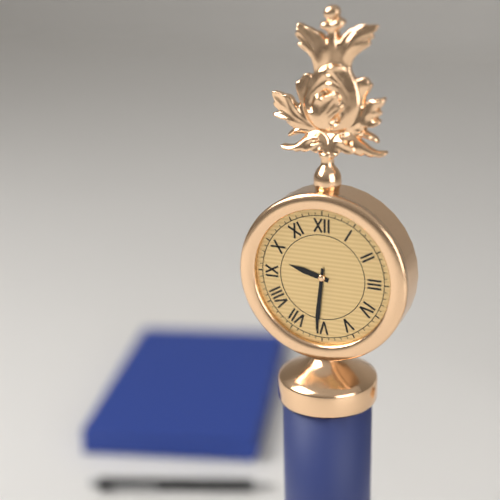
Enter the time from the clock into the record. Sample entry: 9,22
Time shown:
9,31
